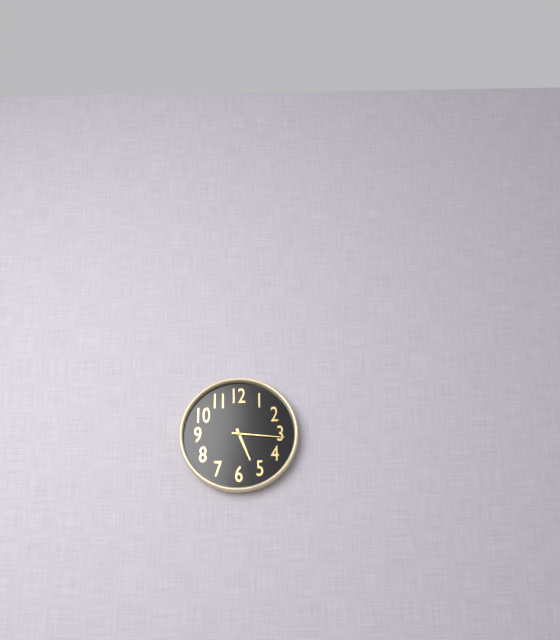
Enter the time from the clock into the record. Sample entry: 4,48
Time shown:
5,16
